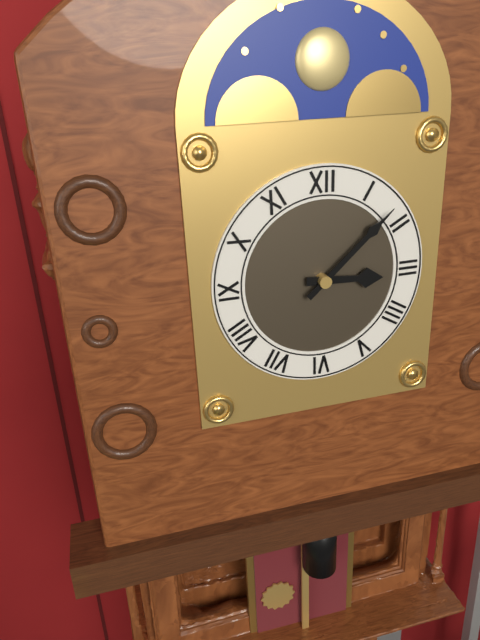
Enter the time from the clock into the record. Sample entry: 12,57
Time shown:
3,08
